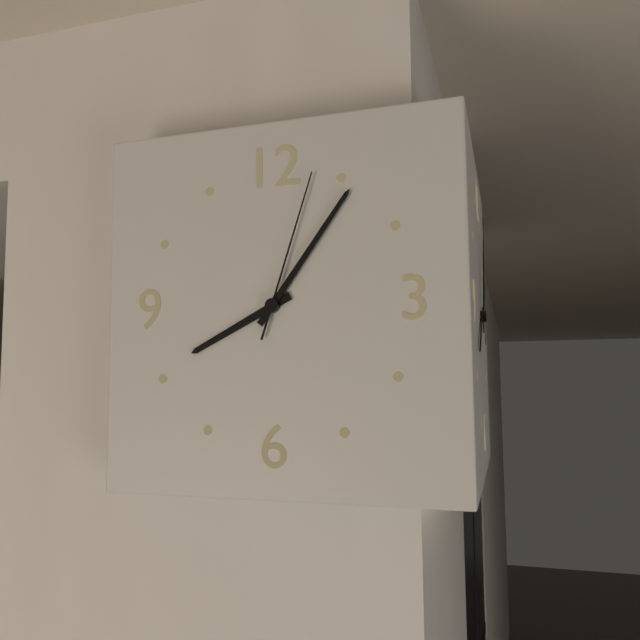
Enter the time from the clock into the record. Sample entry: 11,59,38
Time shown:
8,06,03
